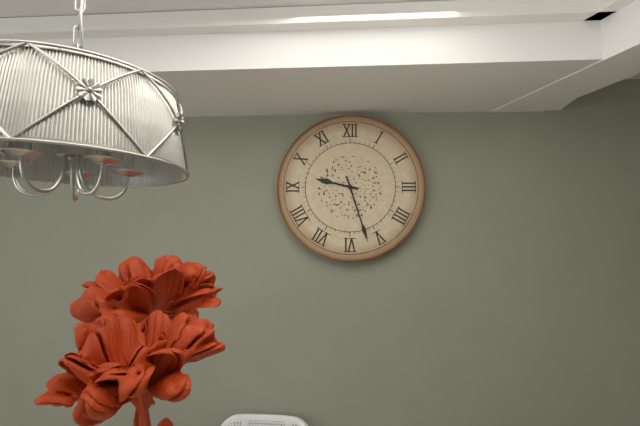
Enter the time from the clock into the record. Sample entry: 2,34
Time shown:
9,27
